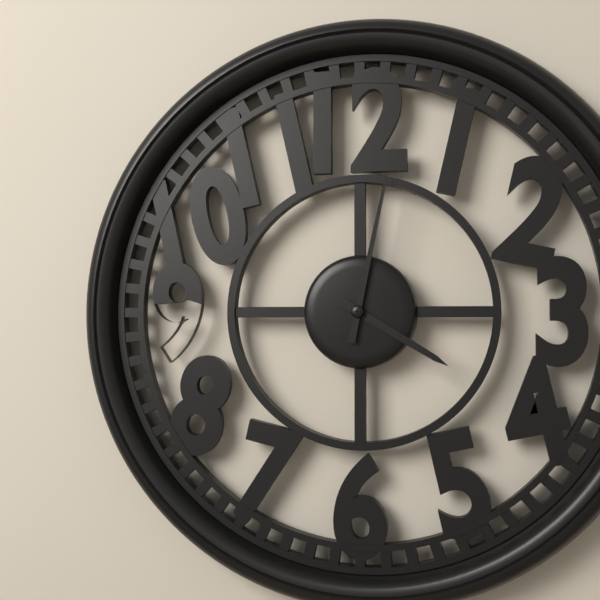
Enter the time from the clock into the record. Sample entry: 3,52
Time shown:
4,02
